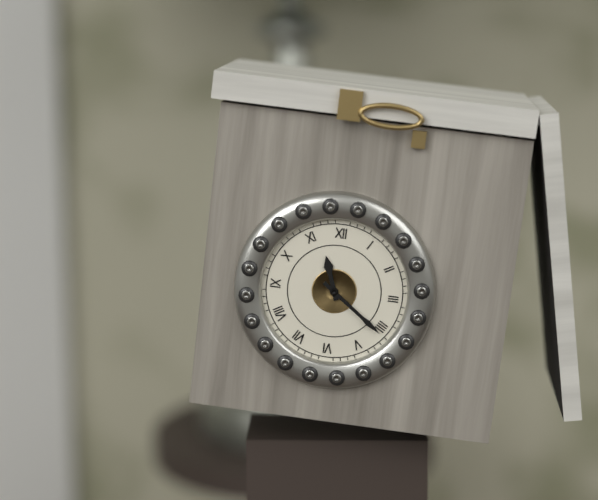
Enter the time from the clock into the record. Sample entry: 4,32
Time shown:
11,21
